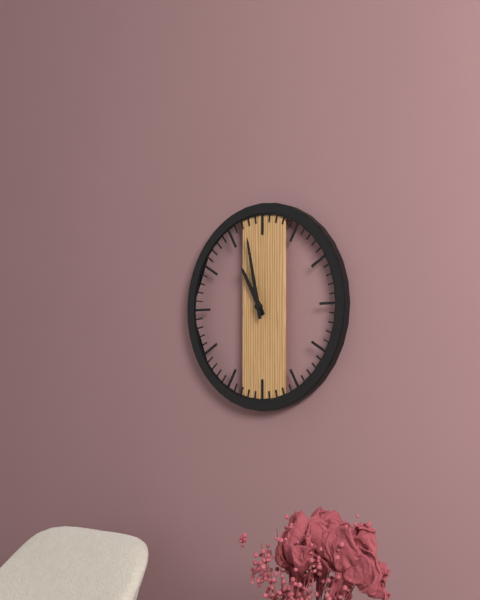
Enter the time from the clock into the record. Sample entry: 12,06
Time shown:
10,58
